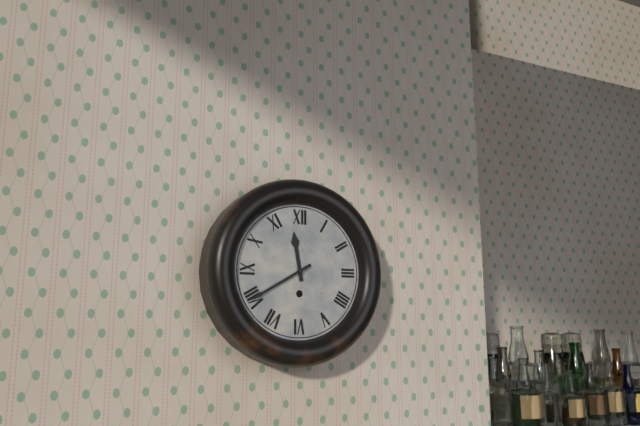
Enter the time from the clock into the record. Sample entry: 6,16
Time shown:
11,40
